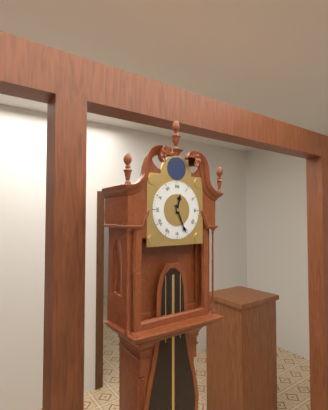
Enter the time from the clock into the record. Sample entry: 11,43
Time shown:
12,26
